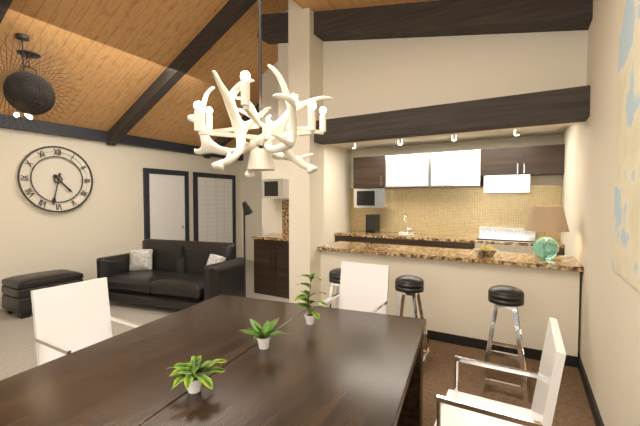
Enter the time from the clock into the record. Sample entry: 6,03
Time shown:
4,32
